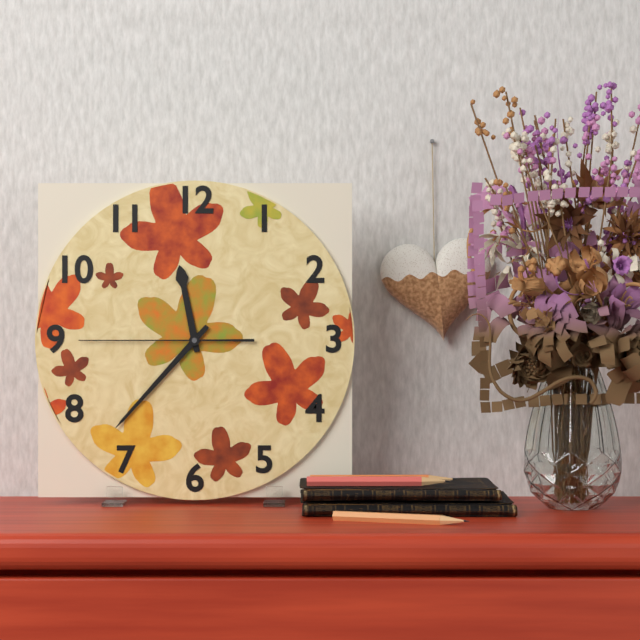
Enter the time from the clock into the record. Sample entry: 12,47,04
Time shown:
11,37,45
